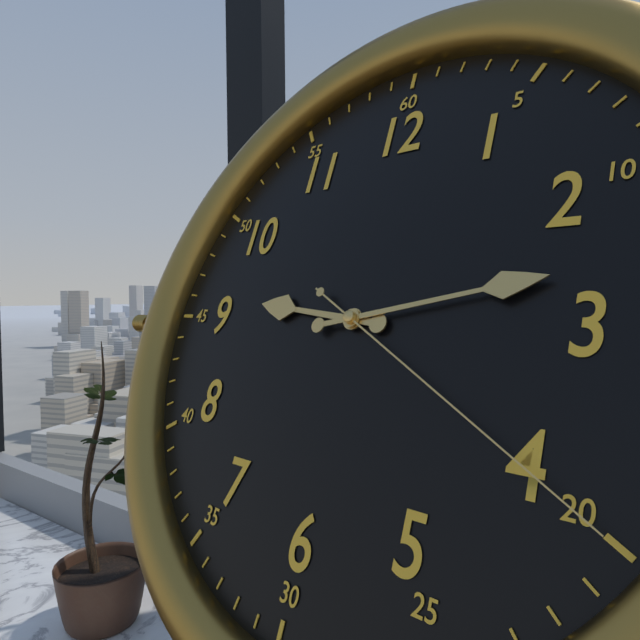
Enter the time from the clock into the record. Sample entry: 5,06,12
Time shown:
9,13,20
